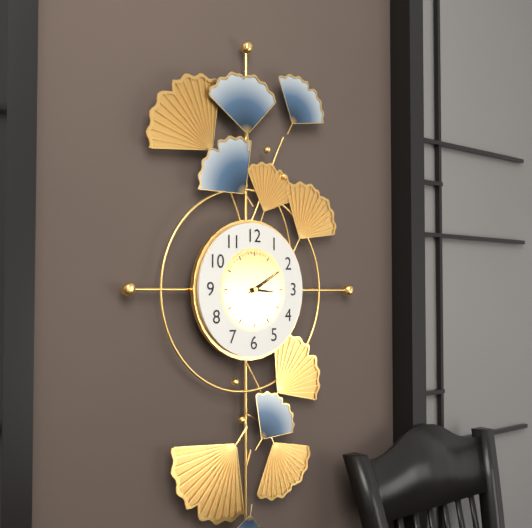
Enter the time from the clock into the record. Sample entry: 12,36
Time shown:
3,10
